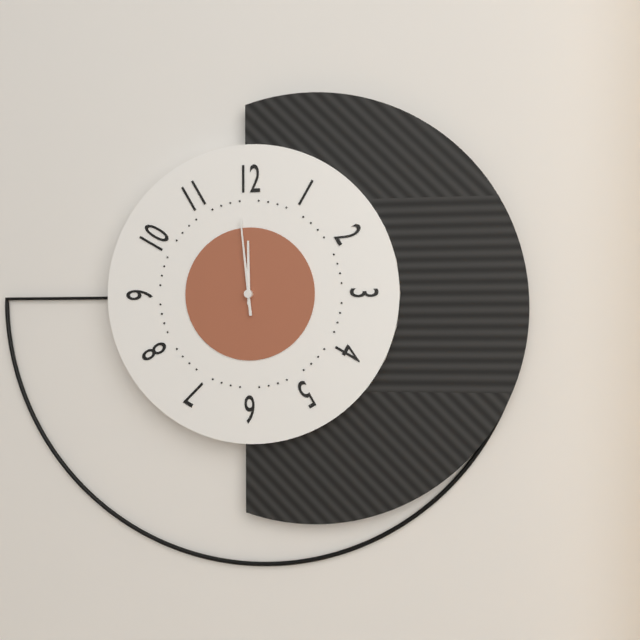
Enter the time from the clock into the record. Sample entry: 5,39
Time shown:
11,59
